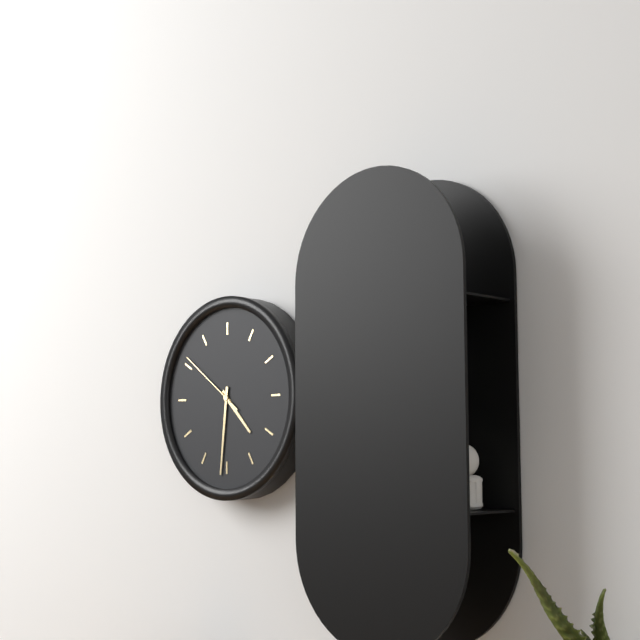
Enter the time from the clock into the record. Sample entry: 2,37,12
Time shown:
4,31,51
